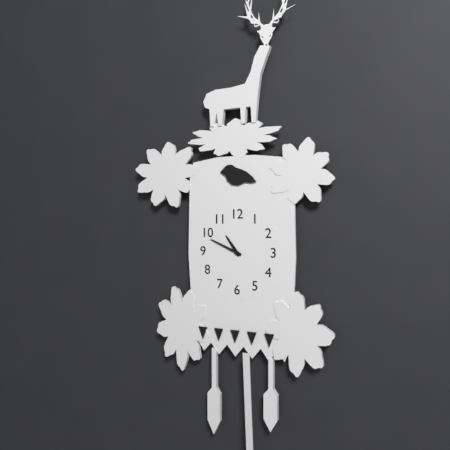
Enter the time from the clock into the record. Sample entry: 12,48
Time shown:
10,49
